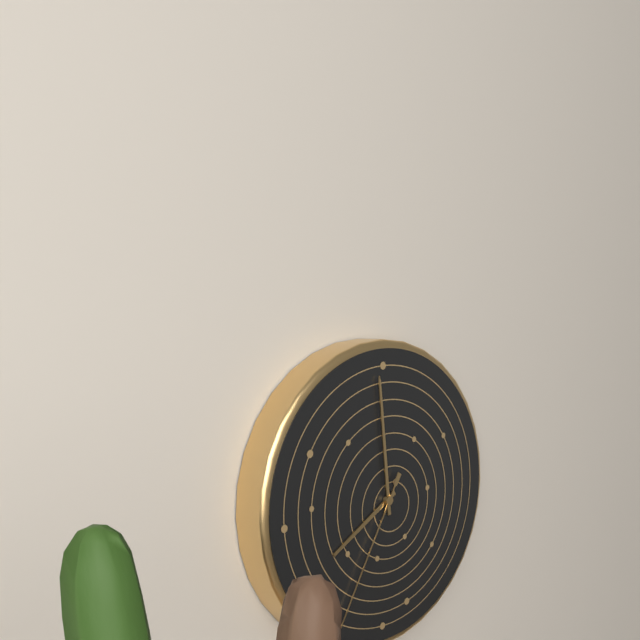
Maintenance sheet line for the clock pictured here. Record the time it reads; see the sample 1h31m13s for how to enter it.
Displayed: 7h59m35s
